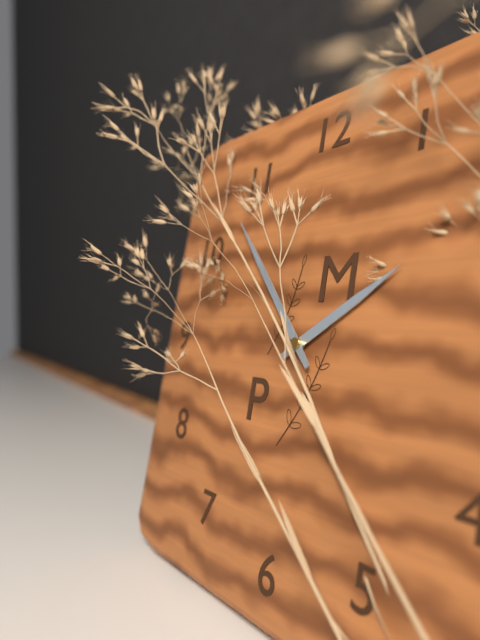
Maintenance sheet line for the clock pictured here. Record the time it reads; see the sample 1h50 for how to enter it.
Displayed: 1h53
